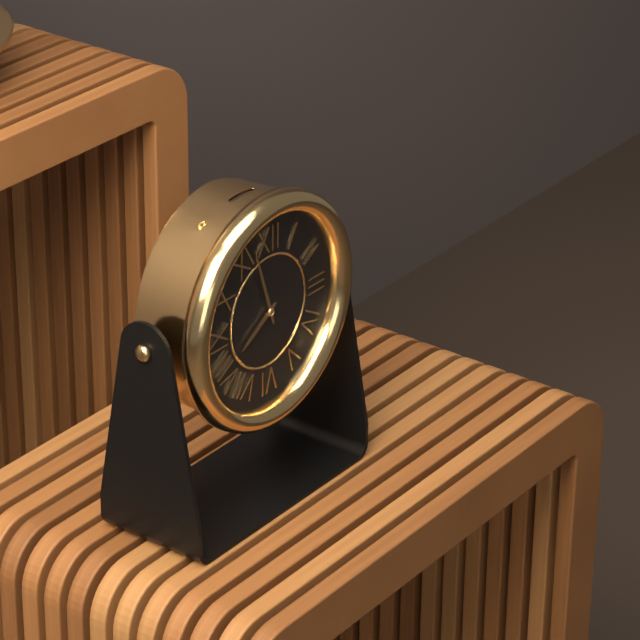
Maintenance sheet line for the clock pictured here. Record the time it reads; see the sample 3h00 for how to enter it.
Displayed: 7h57
